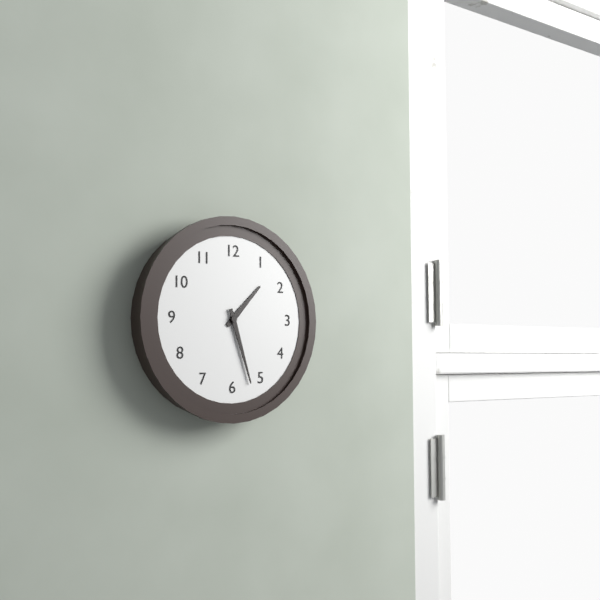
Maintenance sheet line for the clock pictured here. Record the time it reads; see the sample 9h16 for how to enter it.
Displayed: 1h27
